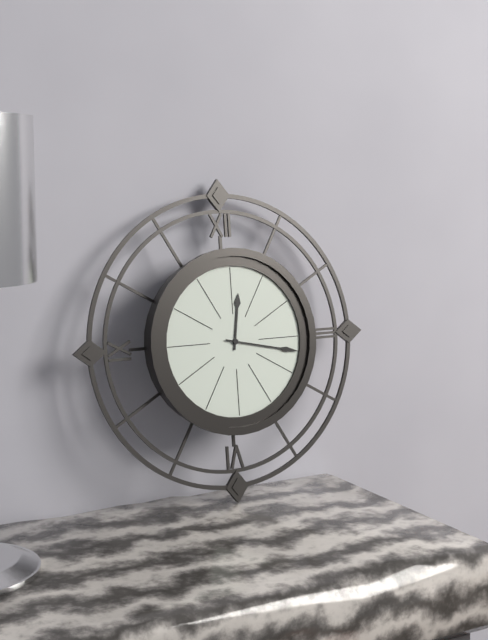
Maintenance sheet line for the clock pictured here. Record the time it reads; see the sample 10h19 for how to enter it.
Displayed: 12h17
